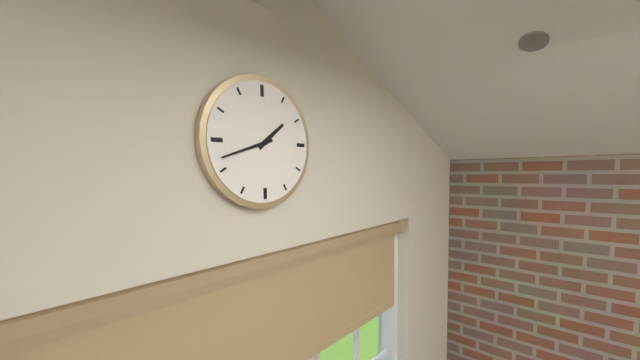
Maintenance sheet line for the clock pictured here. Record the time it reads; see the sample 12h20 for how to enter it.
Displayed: 1h42
